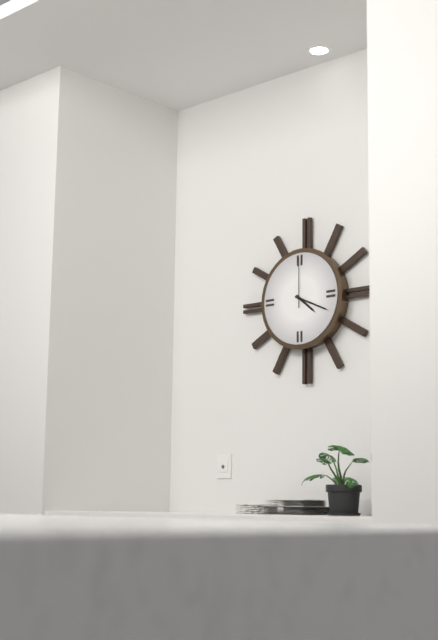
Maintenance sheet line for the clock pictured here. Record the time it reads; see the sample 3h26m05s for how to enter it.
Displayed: 4h19m00s
